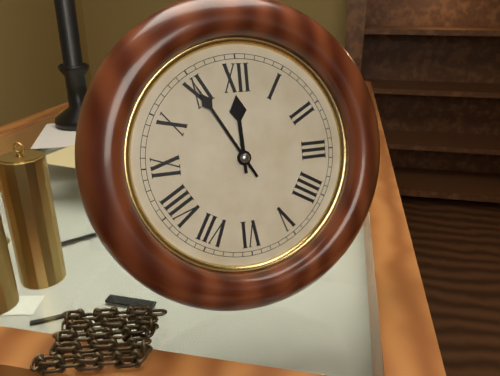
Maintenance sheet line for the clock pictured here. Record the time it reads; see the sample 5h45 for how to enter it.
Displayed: 11h55
